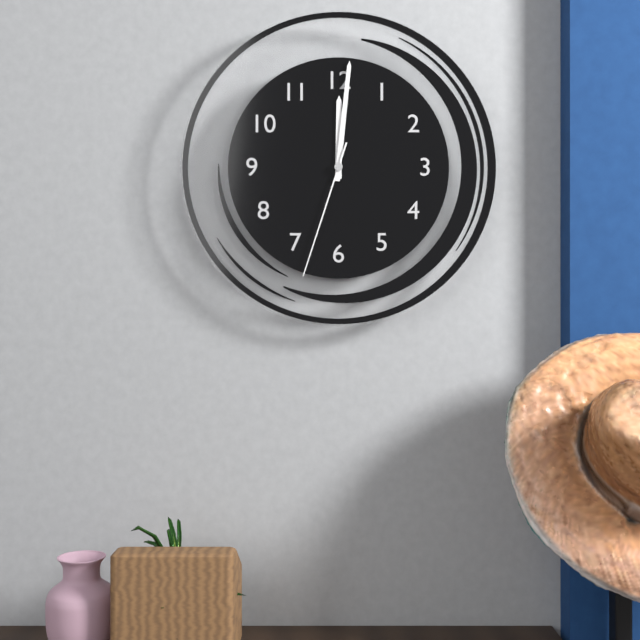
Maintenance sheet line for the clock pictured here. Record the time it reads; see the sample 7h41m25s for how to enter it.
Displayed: 12h01m33s
